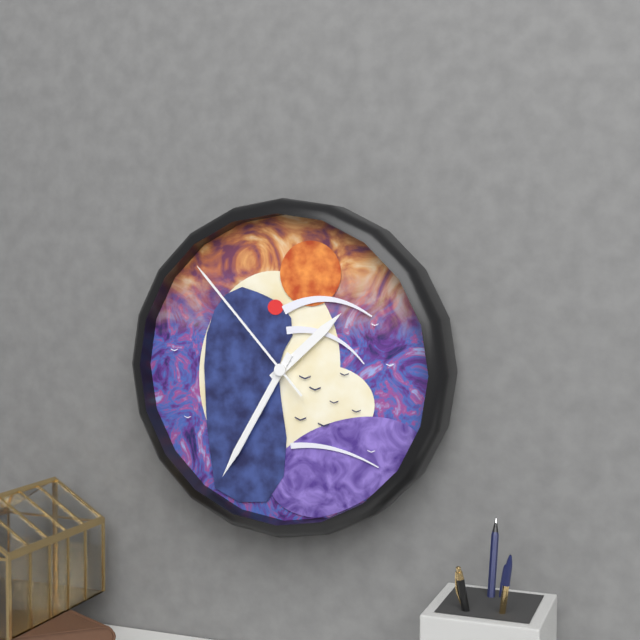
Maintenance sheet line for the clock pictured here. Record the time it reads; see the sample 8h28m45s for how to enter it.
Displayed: 1h35m53s
